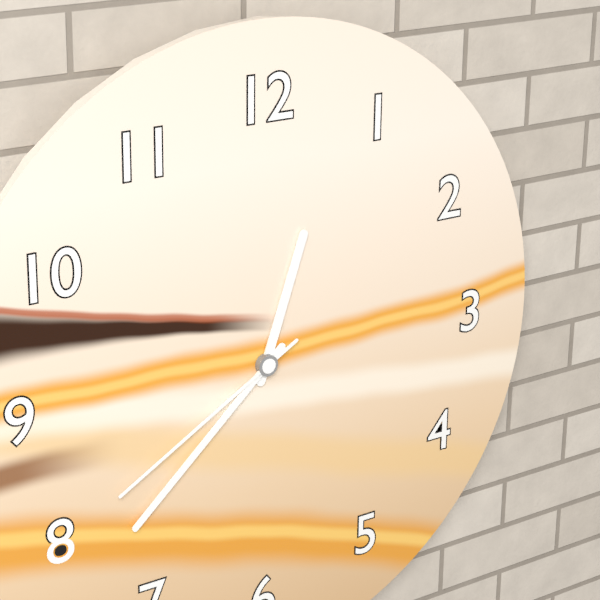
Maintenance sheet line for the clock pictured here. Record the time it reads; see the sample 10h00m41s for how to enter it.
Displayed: 12h38m40s
